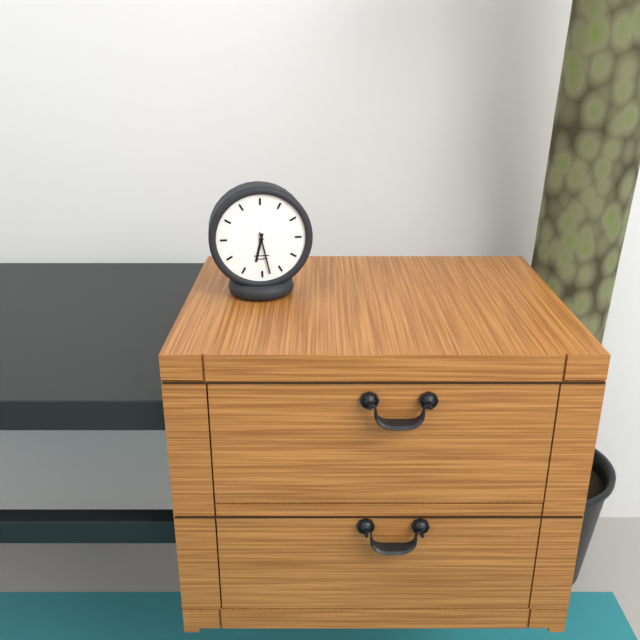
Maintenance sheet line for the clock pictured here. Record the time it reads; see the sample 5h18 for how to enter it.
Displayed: 6h28
